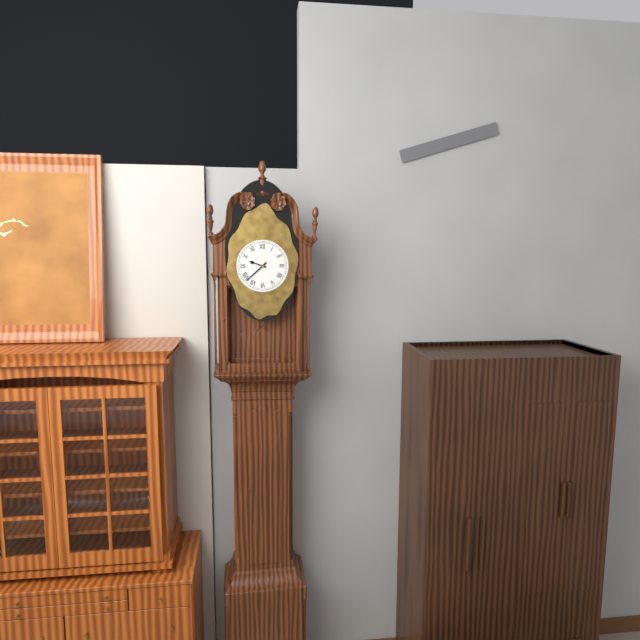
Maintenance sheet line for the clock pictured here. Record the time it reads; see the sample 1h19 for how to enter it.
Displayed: 9h38
